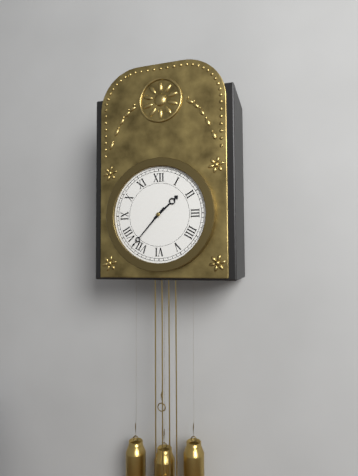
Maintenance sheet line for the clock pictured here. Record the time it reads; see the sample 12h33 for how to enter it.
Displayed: 1h37
